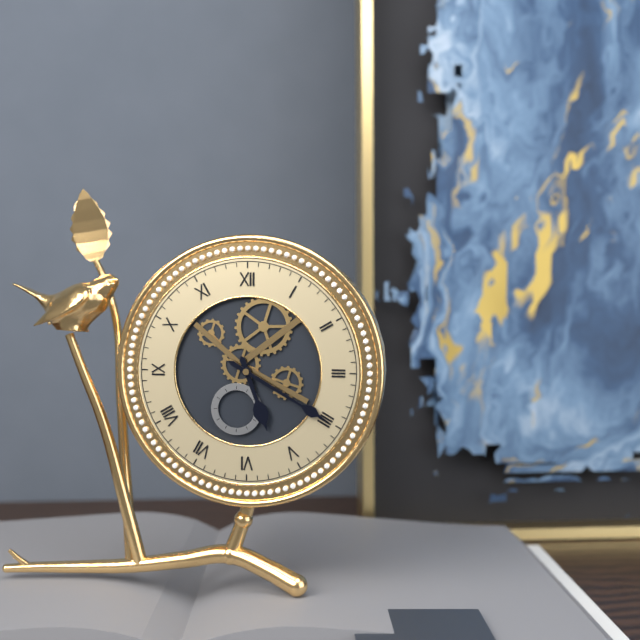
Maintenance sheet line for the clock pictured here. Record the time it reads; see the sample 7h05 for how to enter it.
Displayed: 5h20
